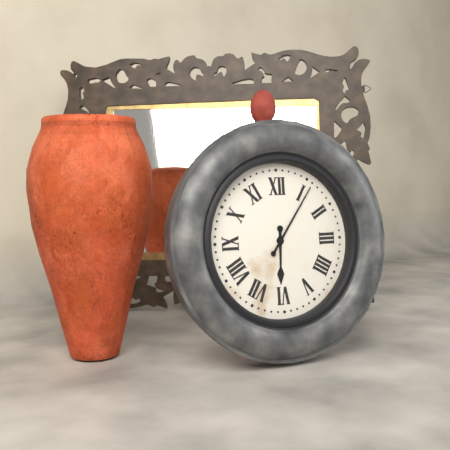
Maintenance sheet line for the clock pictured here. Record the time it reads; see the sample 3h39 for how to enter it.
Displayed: 6h06
